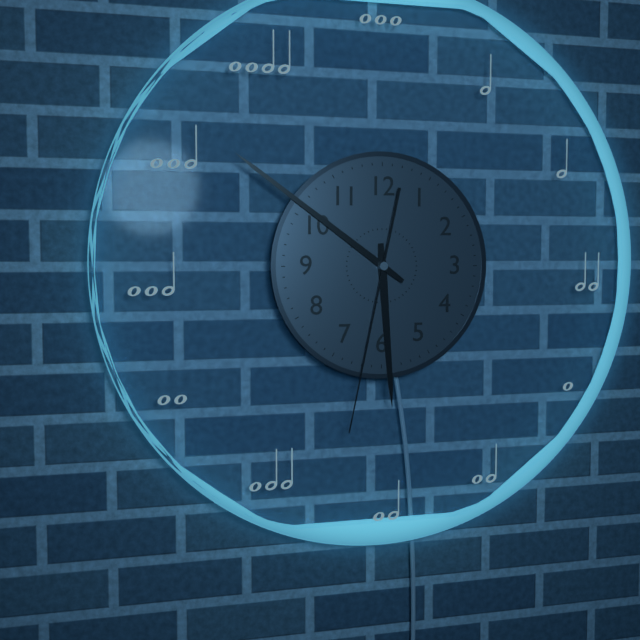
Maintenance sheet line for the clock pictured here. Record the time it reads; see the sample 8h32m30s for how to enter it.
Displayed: 5h51m32s
